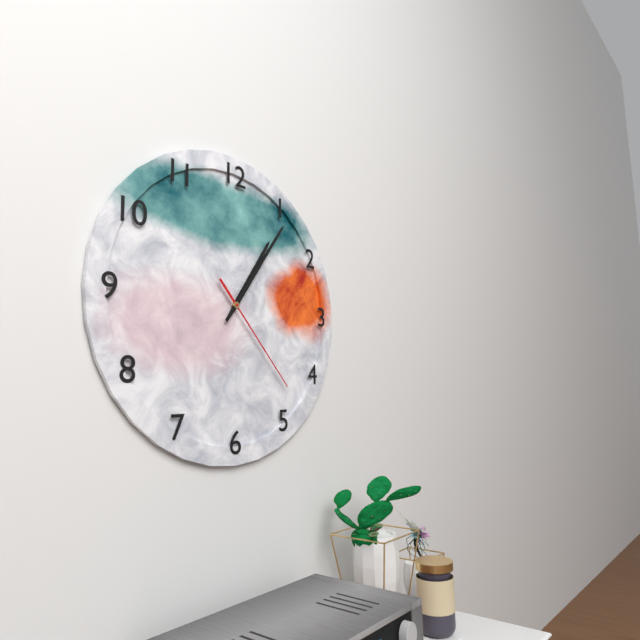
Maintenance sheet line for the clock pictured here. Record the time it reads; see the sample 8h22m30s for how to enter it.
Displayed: 1h06m23s
